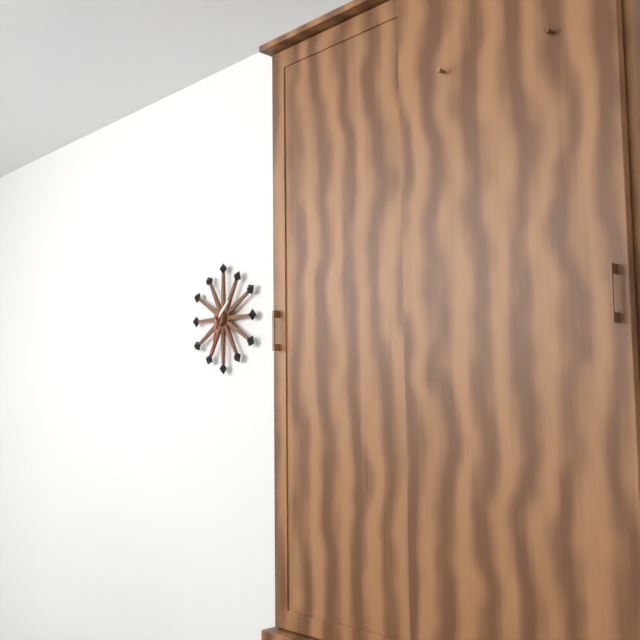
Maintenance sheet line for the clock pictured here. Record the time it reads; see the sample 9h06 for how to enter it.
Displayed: 1h32
